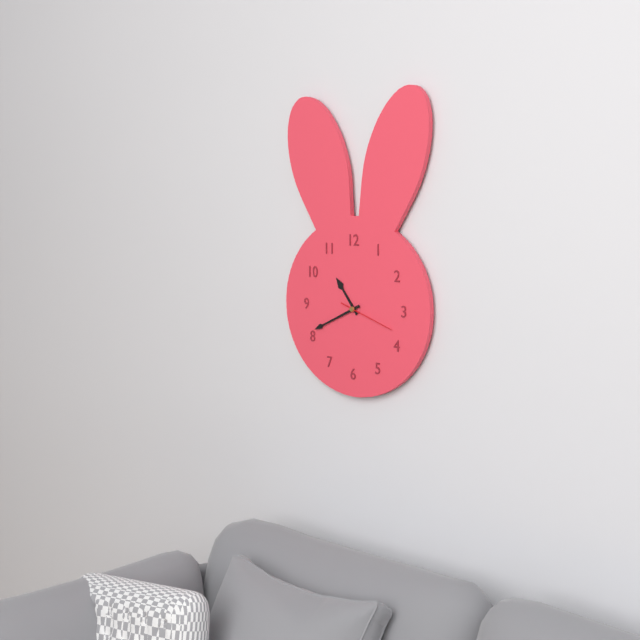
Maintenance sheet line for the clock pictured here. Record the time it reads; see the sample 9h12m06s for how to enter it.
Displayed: 10h41m18s
